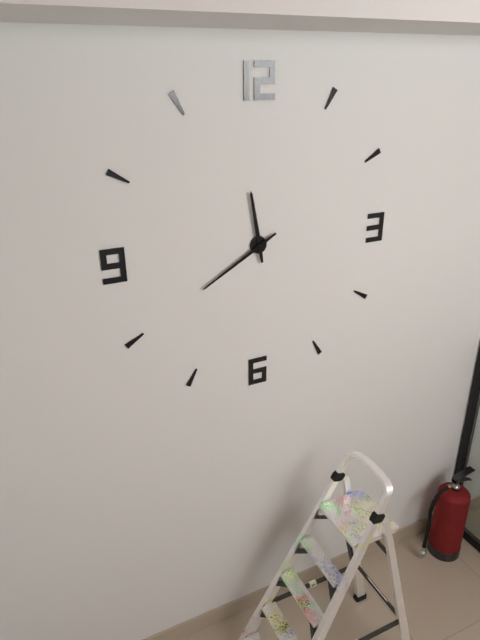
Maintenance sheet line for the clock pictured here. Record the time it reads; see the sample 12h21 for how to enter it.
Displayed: 11h40
